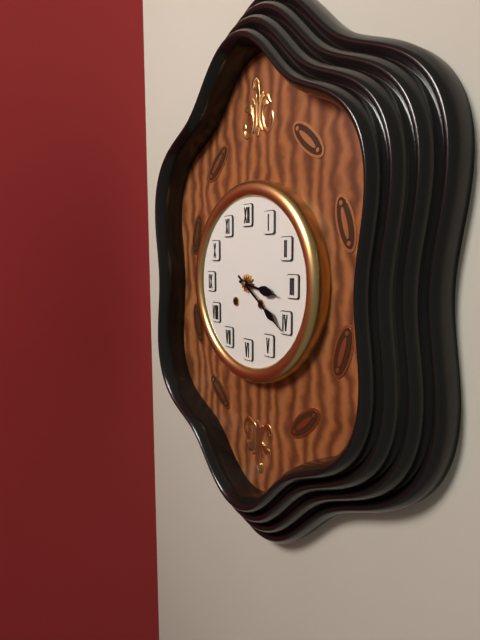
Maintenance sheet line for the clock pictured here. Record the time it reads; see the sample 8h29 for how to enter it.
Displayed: 3h21
